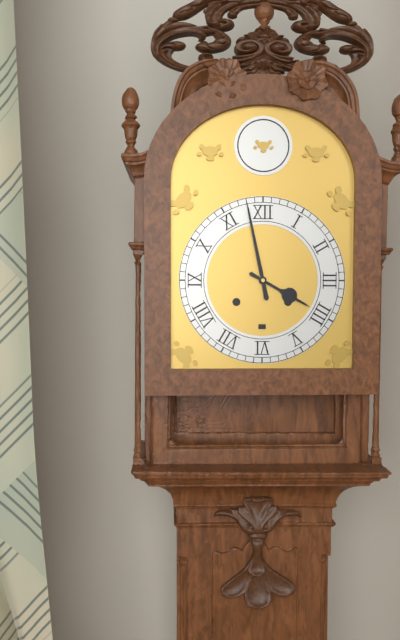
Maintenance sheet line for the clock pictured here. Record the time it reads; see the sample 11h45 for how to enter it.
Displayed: 3h58
